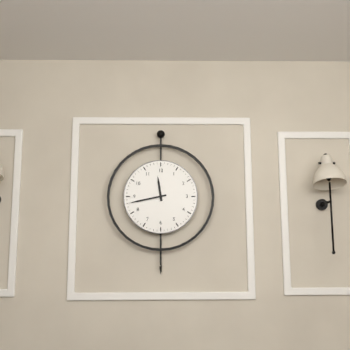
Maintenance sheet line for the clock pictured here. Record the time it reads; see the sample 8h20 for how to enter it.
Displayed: 11h43
